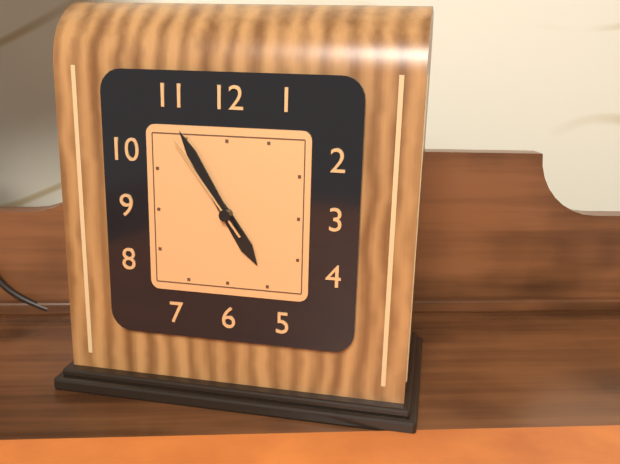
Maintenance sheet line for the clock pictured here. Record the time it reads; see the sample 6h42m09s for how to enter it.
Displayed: 4h55m54s
